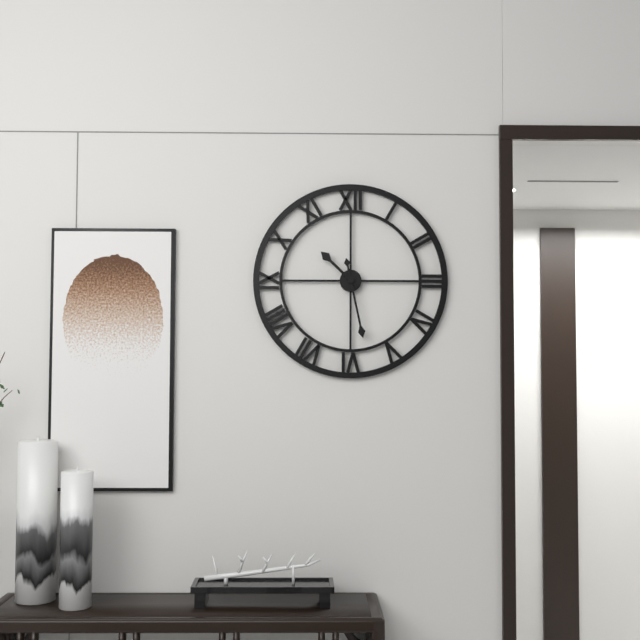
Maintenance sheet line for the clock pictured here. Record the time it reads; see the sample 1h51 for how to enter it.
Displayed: 10h28
